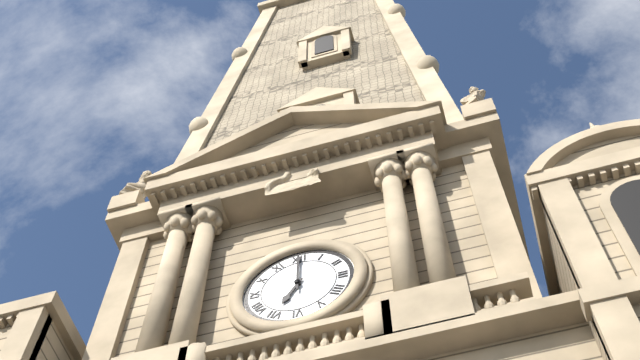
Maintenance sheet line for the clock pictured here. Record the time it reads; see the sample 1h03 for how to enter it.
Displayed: 7h00
